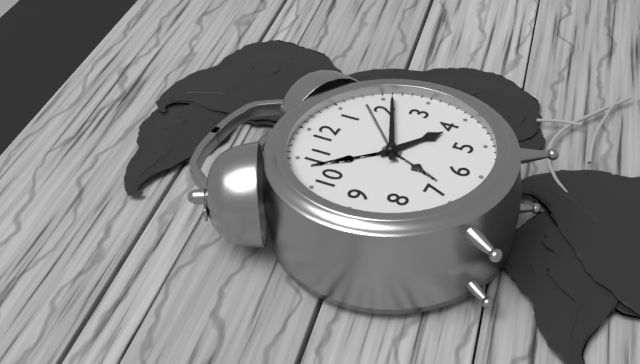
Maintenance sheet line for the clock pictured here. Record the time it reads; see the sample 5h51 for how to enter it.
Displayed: 4h11
